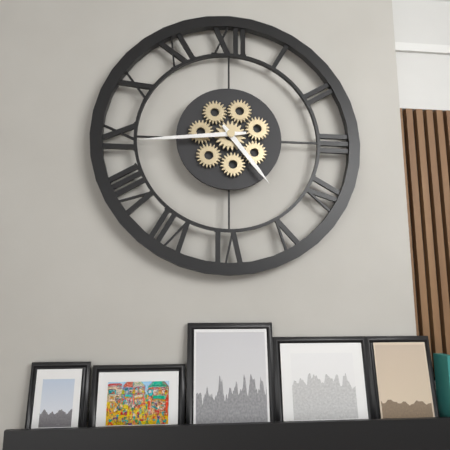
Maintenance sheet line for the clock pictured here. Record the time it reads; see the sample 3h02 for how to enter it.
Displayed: 4h44
